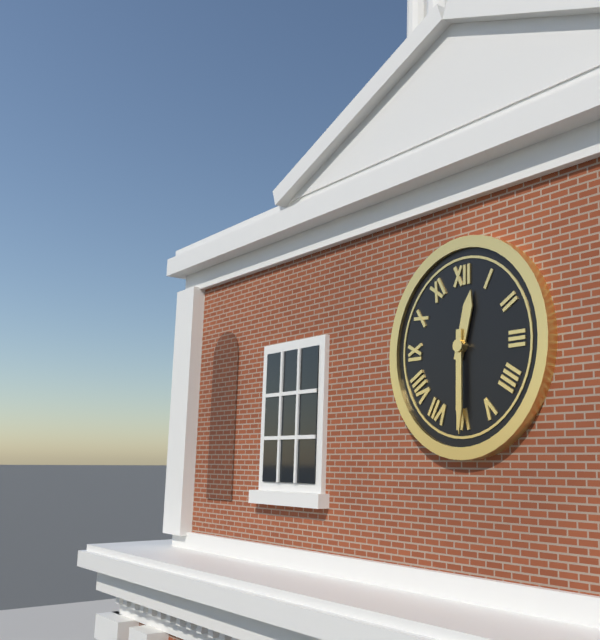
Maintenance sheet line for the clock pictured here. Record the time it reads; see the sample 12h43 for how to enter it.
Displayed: 12h30
